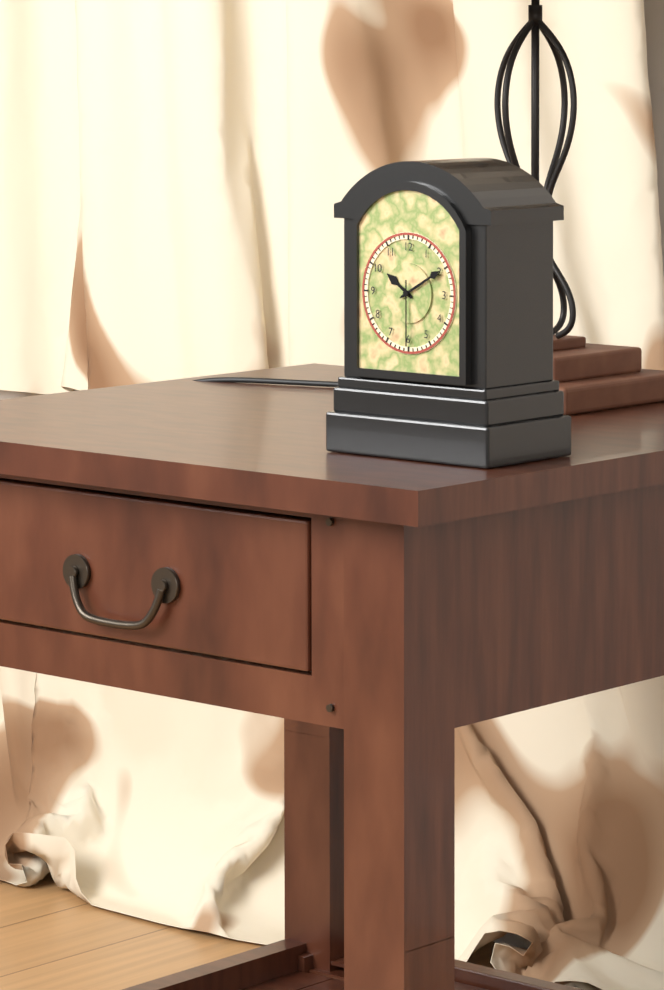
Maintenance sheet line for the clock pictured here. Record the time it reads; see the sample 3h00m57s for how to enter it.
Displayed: 10h10m30s
